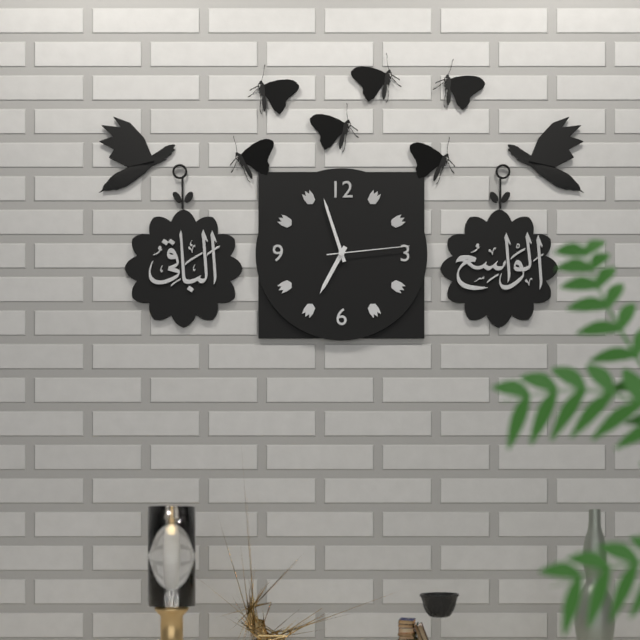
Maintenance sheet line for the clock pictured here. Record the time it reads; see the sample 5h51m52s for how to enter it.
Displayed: 6h57m14s
